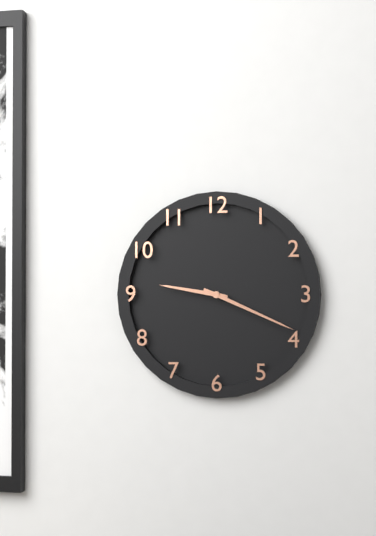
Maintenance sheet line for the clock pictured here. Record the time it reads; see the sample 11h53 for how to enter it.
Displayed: 9h19
